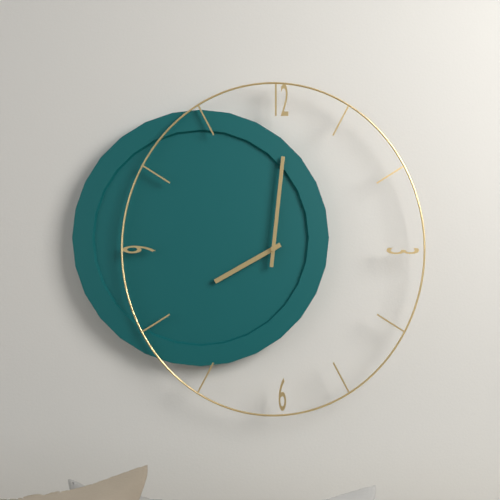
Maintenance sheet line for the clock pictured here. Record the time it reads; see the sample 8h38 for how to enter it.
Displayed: 8h01
